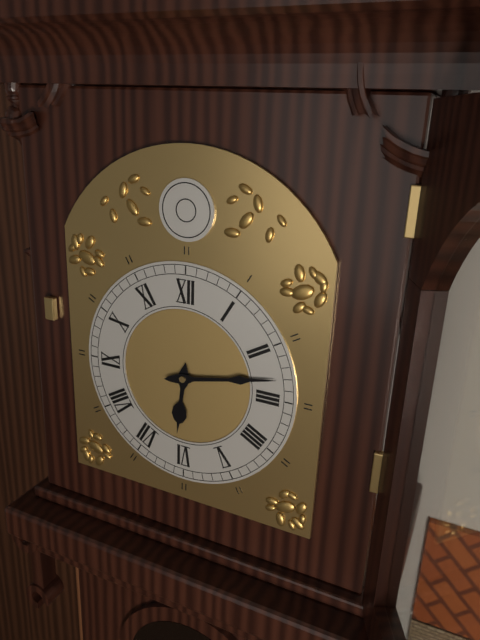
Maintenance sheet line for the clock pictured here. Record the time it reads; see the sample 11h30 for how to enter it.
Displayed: 6h13
